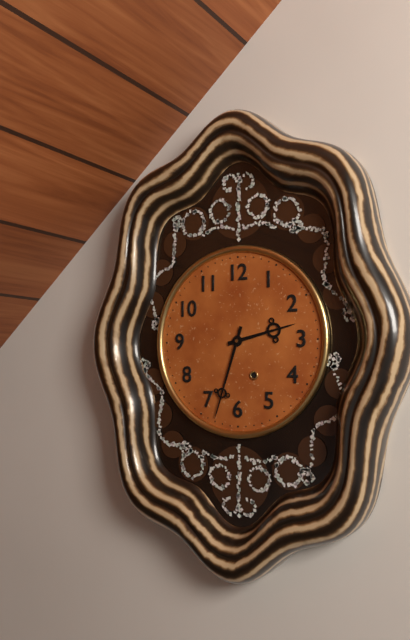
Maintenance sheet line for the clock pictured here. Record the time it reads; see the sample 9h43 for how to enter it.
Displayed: 2h33
